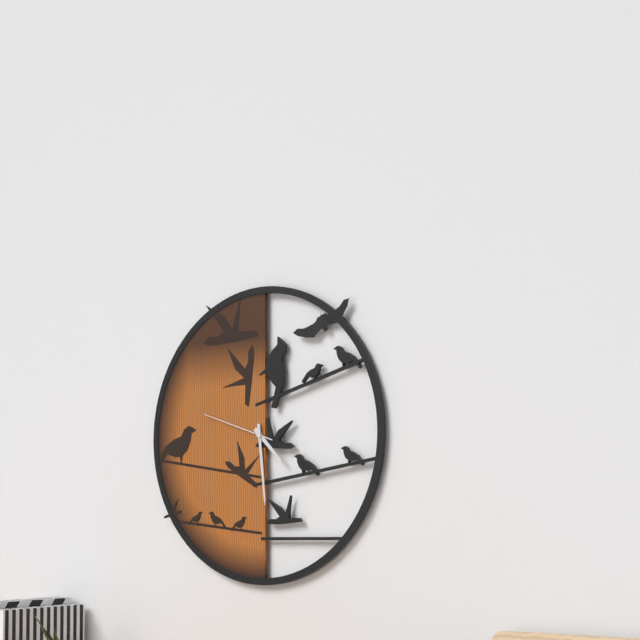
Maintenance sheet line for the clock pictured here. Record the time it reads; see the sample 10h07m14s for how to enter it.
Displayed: 4h29m48s
